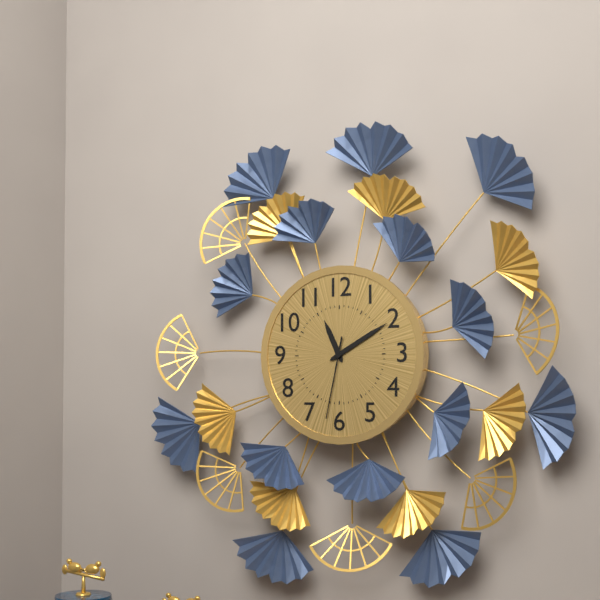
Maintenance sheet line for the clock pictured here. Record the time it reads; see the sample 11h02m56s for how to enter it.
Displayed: 11h10m32s
